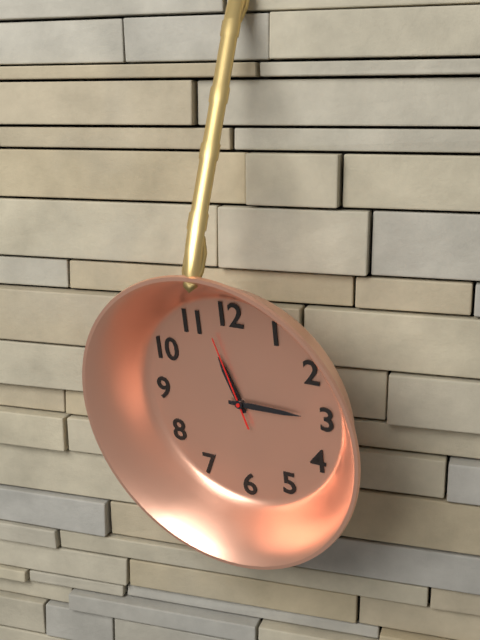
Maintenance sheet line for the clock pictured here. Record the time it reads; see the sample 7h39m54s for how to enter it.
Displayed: 11h15m57s
